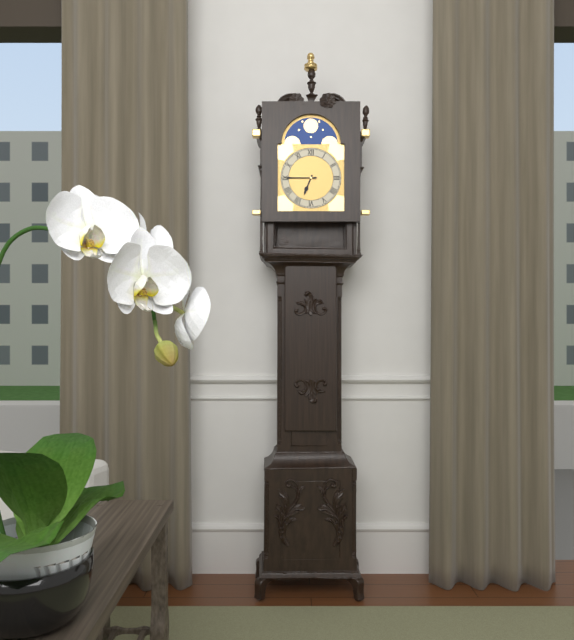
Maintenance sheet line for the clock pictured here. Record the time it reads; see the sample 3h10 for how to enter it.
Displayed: 6h45
